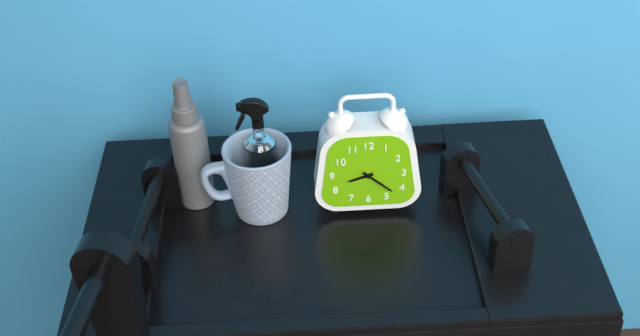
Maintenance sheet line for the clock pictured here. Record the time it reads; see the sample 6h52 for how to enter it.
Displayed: 8h22
